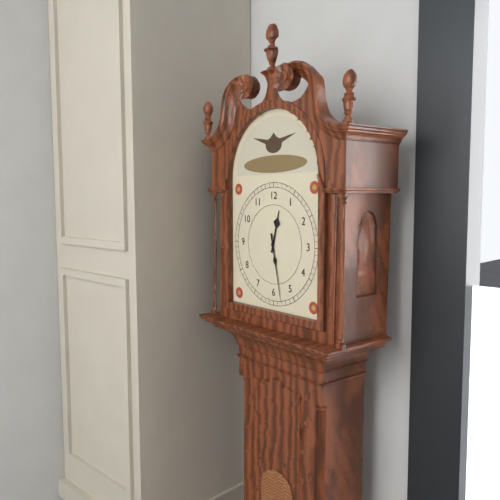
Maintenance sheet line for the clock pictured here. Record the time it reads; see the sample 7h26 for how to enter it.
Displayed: 12h28
